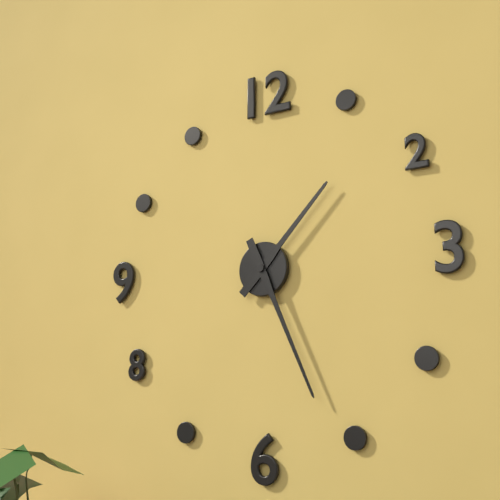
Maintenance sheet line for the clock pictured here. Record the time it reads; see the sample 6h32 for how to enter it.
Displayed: 1h26
